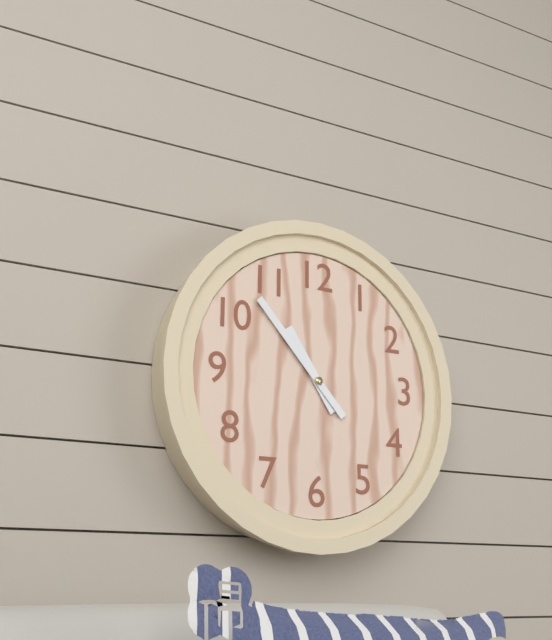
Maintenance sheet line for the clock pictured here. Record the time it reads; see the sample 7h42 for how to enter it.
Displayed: 10h53
